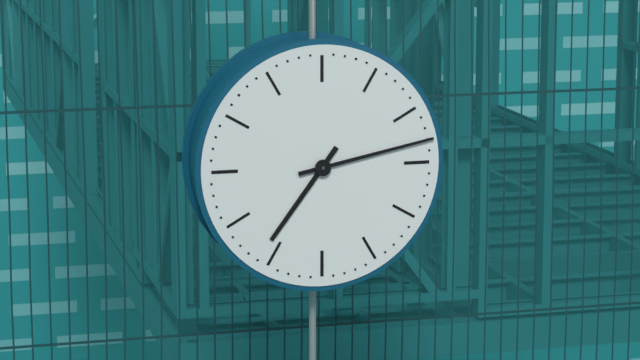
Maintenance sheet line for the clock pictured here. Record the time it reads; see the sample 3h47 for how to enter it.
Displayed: 7h13
